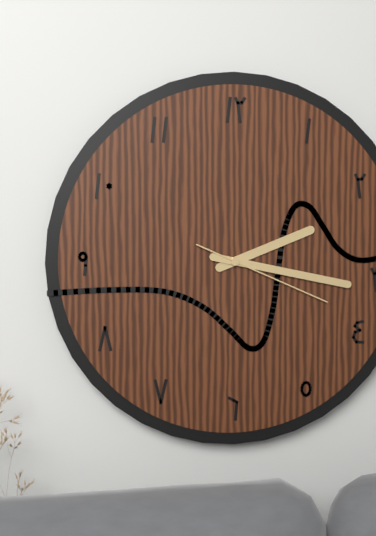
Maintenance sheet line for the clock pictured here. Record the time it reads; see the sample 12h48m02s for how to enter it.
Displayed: 2h17m19s
